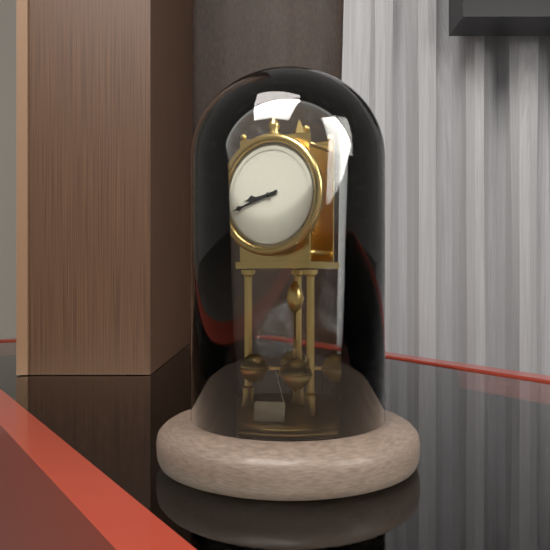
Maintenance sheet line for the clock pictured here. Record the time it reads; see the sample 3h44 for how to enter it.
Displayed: 8h42
